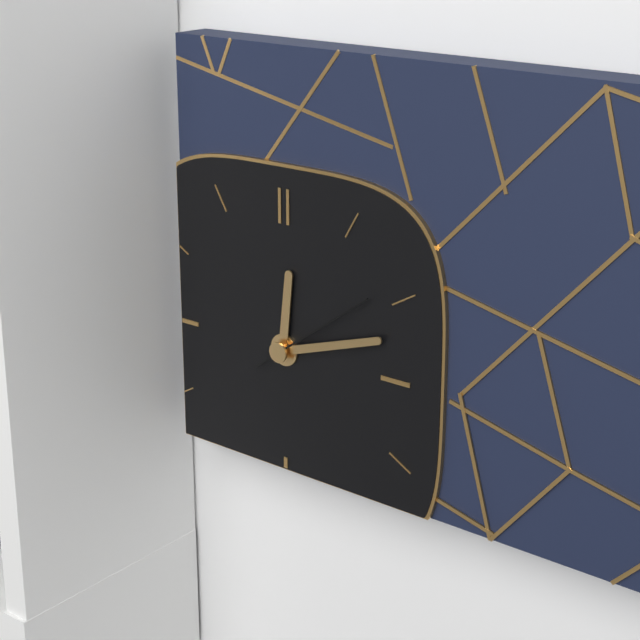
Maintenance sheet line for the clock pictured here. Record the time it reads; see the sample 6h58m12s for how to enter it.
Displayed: 12h12m09s
